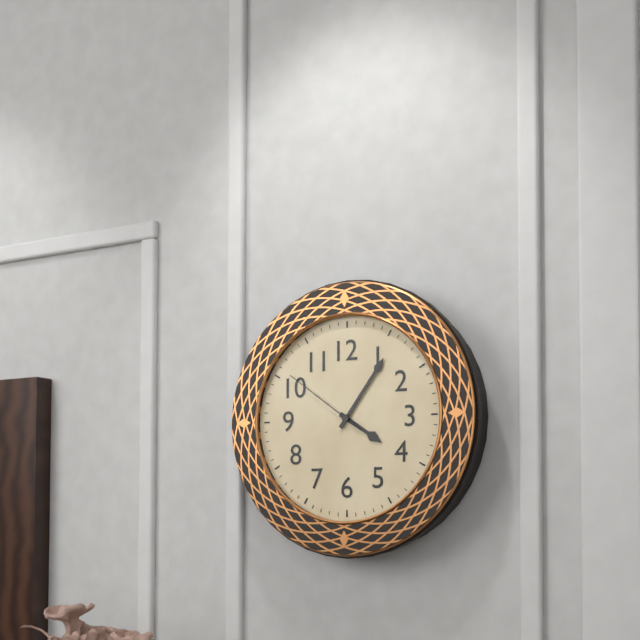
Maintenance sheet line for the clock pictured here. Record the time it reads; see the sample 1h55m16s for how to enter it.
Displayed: 4h06m51s
